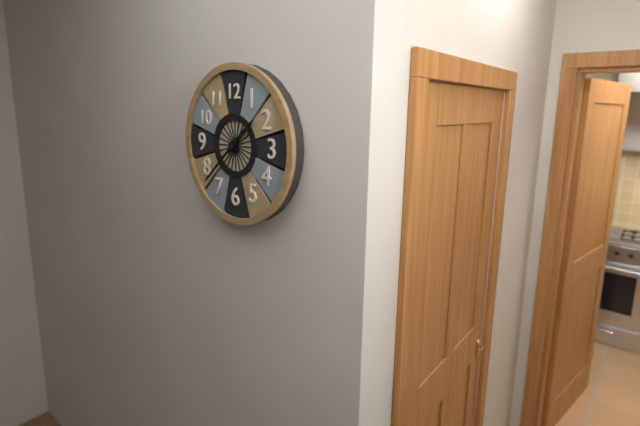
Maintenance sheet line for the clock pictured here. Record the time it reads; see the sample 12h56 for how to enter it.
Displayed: 1h38
